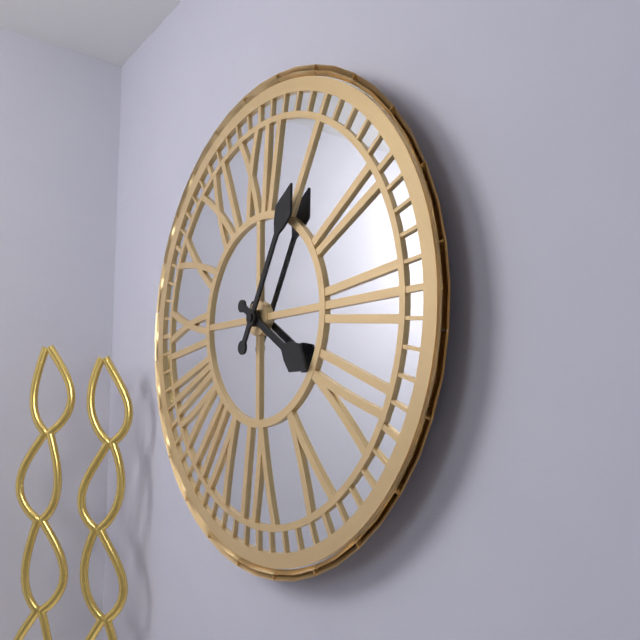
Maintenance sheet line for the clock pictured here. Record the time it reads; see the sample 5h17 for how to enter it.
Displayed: 4h05
